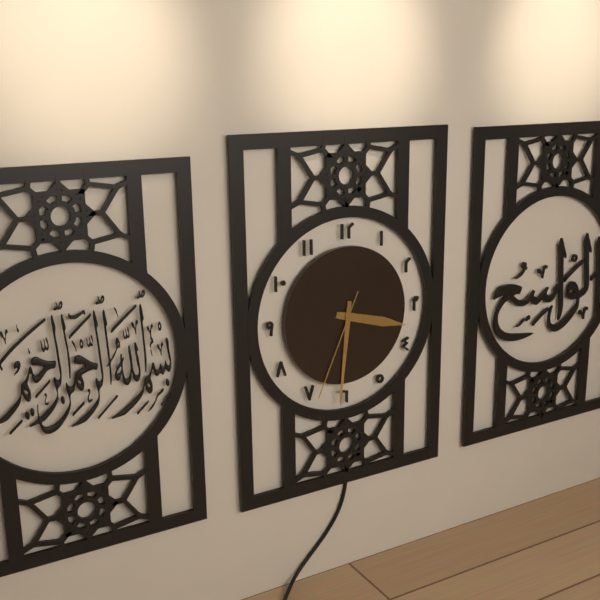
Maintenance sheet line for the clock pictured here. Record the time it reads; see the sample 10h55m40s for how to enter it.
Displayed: 3h31m34s
